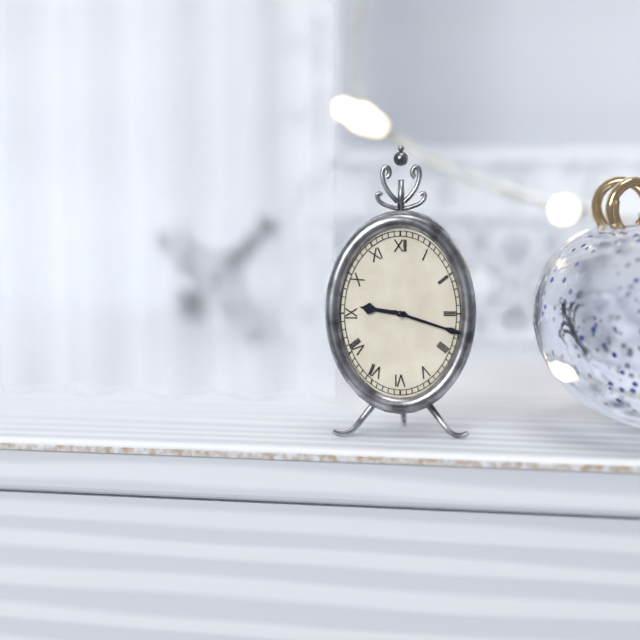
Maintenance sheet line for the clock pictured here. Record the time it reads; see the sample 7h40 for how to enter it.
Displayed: 9h18
